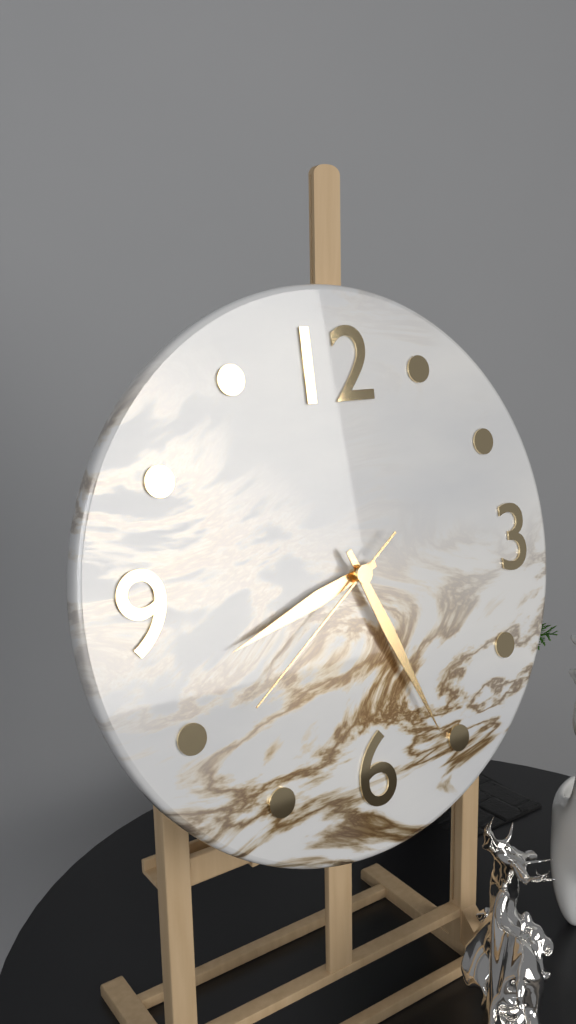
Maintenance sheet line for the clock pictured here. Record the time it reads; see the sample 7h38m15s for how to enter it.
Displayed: 8h26m39s
